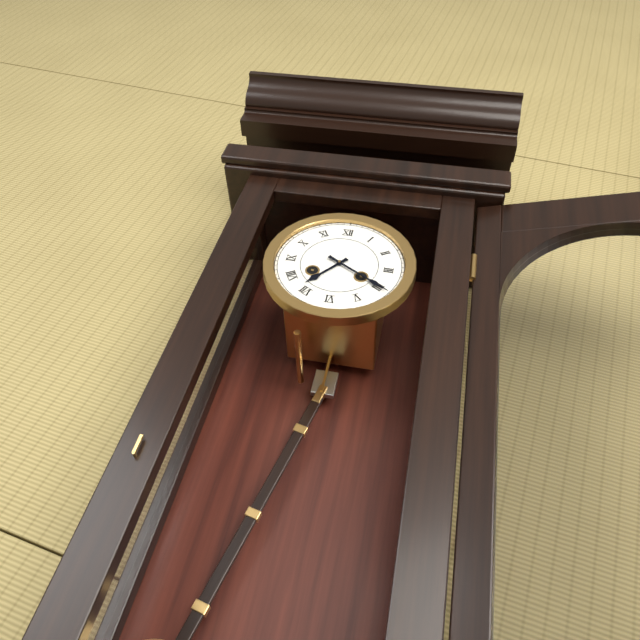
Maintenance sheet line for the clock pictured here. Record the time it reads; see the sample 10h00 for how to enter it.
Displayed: 7h20
